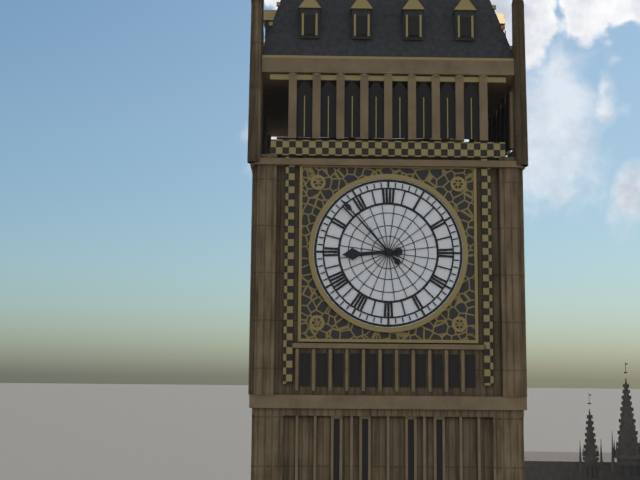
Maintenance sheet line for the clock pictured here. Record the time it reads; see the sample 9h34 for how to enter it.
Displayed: 8h53
